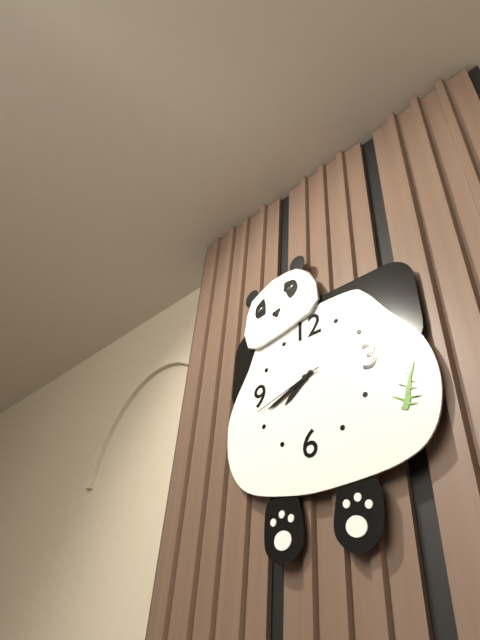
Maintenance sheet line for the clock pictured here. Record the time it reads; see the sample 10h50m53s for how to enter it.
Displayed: 7h41m42s
